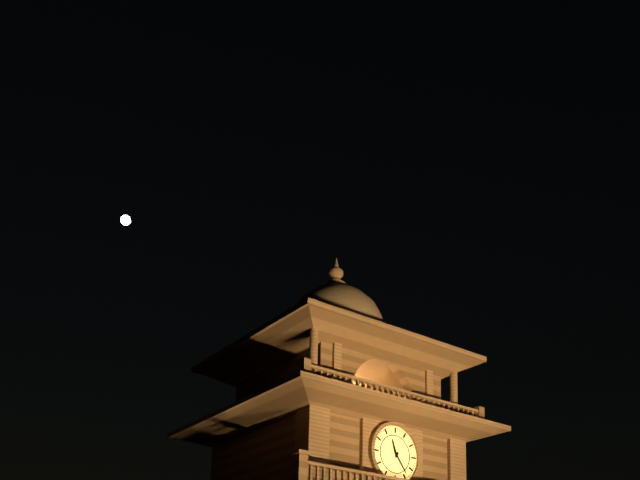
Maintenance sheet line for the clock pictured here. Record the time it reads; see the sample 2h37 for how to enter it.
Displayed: 11h24
